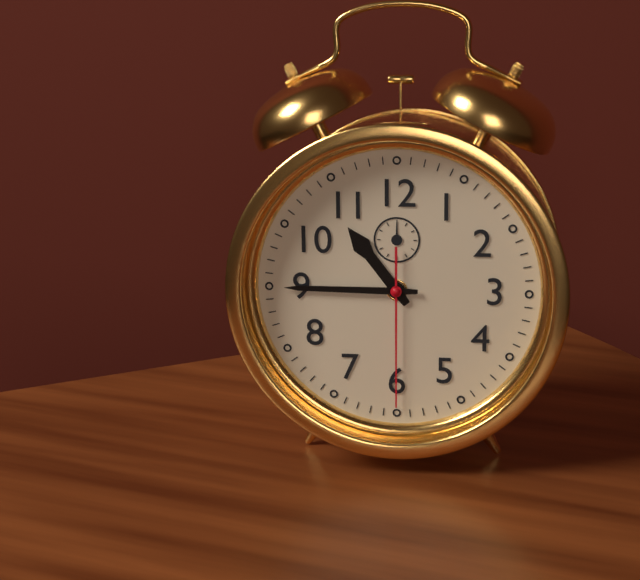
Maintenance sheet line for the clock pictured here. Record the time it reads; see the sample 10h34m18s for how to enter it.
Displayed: 10h45m30s
